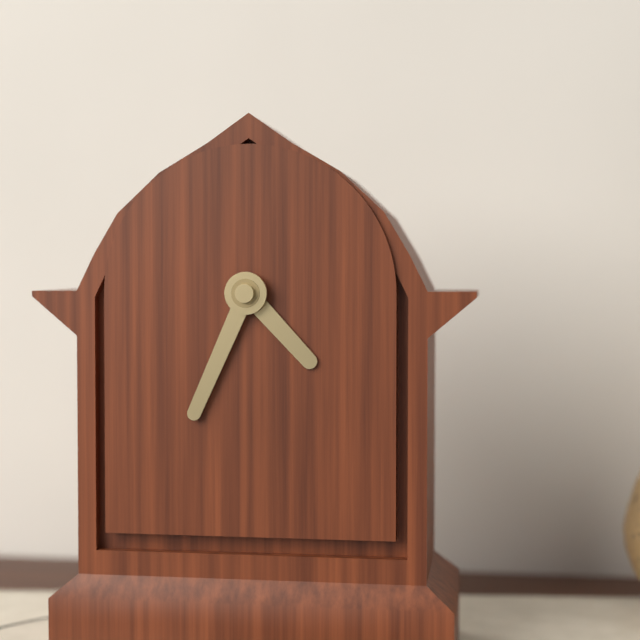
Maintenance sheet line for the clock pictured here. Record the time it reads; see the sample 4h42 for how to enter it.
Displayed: 4h34
